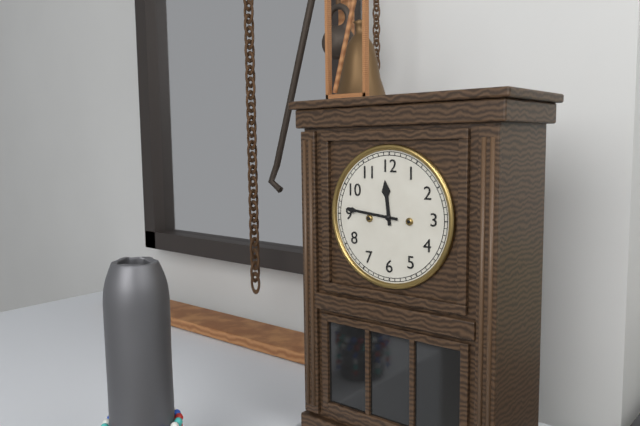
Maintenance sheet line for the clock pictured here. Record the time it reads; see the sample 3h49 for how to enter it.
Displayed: 11h46
